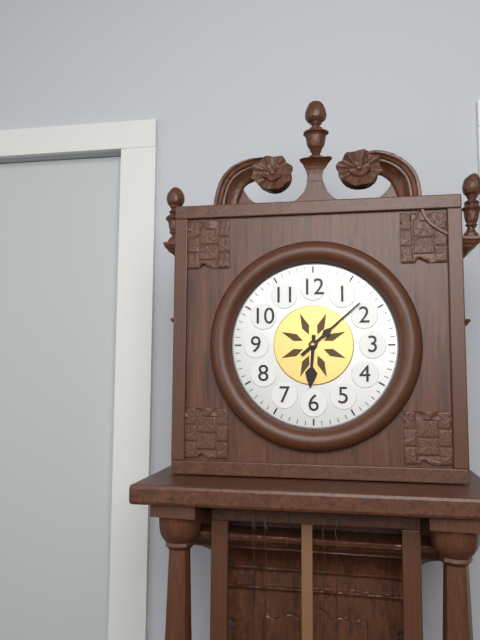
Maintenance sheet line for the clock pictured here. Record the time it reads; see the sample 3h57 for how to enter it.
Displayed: 6h08
